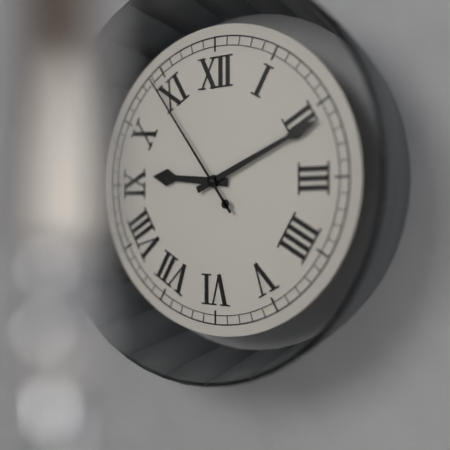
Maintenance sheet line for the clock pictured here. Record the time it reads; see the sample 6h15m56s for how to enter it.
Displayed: 9h11m54s
